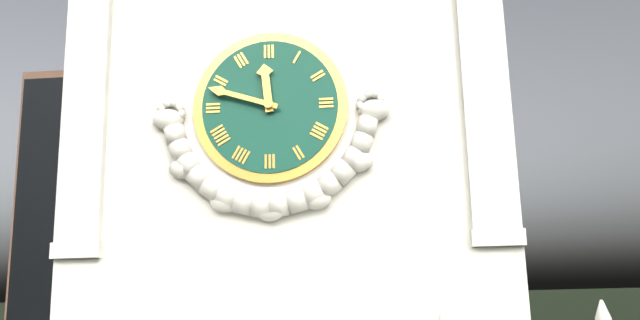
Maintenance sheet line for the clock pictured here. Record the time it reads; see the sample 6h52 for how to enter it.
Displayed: 11h48
